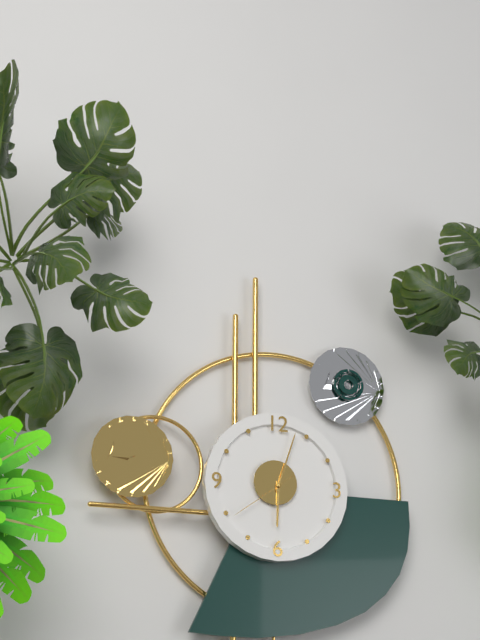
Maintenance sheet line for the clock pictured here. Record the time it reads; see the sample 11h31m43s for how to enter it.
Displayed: 6h03m39s
